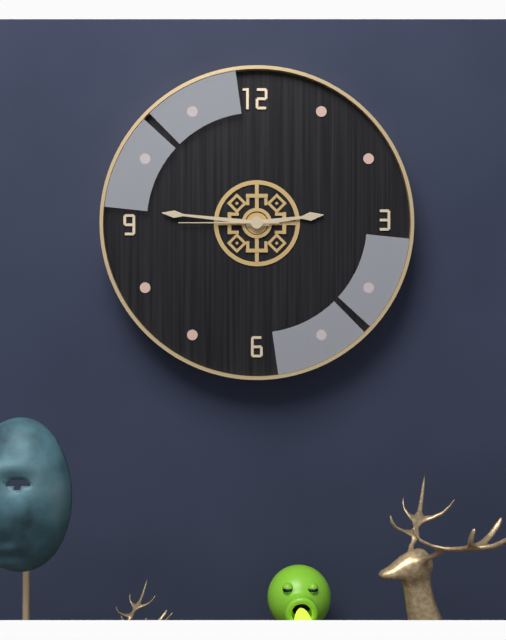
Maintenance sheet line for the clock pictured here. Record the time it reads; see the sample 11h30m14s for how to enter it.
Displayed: 2h46m45s
